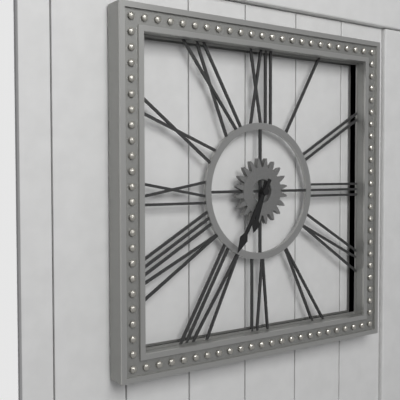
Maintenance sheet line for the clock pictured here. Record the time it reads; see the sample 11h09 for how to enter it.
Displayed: 6h35
